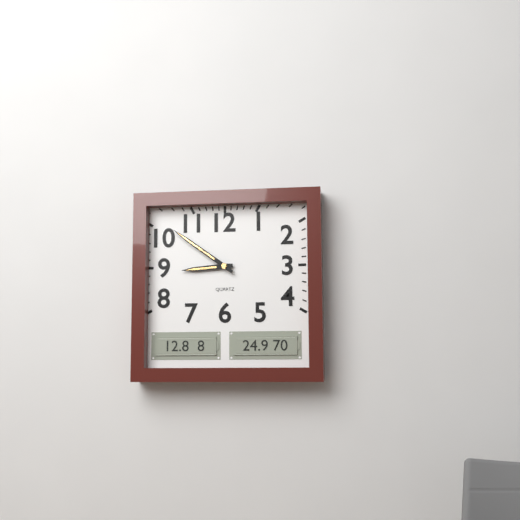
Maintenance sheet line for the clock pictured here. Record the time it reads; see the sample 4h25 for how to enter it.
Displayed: 8h51
